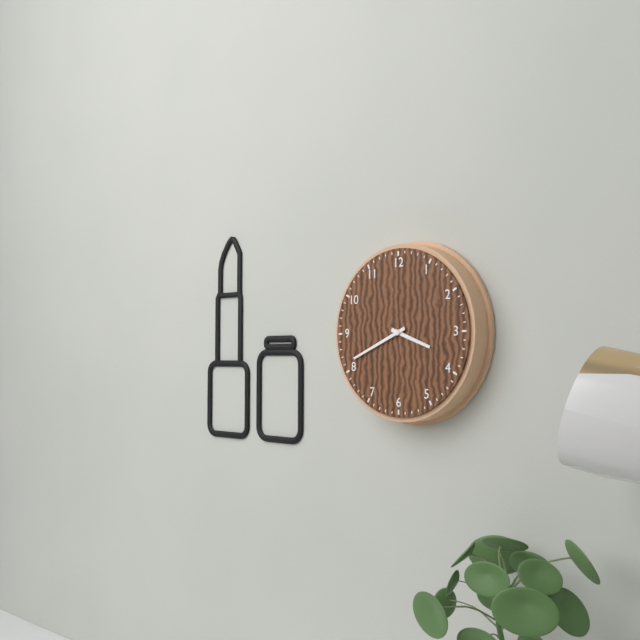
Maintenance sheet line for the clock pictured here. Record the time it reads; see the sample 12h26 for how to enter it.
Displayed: 3h41
